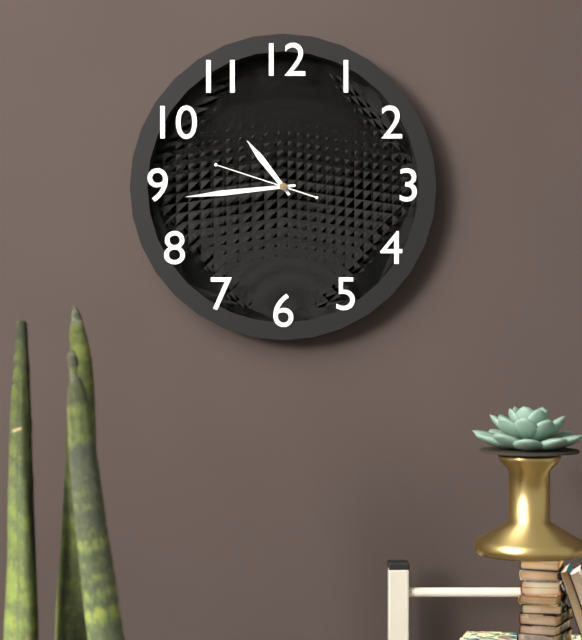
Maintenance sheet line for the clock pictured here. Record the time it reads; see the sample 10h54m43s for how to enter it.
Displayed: 10h44m48s
